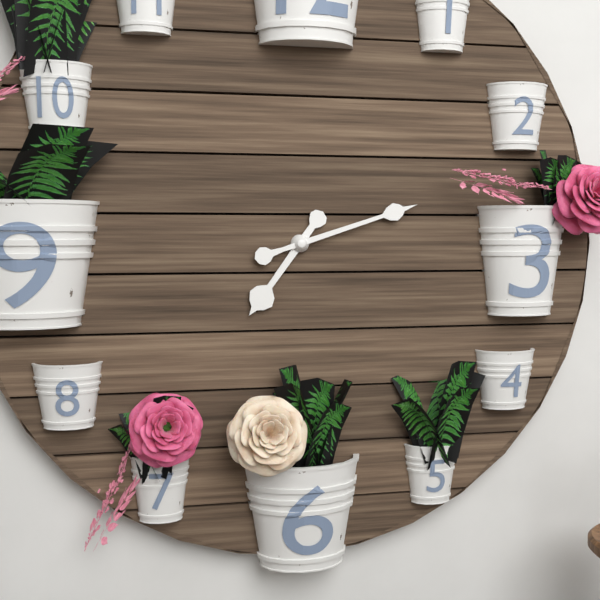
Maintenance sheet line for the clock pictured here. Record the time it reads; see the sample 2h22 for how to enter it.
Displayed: 7h12
